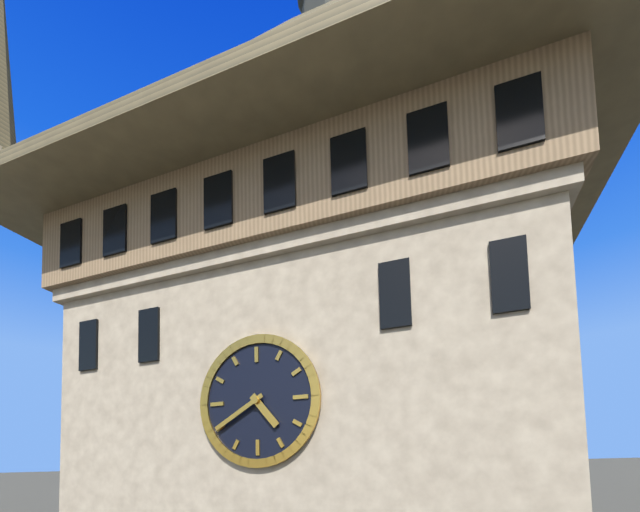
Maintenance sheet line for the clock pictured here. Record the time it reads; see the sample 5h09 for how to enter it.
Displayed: 4h40
